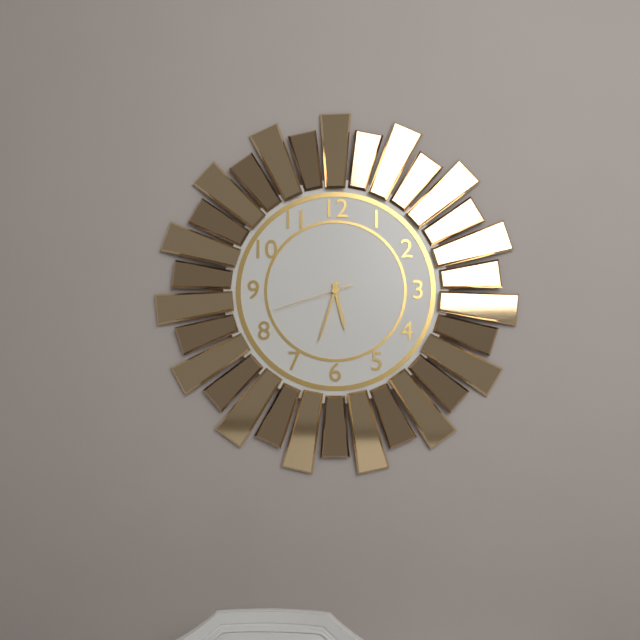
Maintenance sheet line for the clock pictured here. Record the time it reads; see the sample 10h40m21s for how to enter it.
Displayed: 5h33m42s
